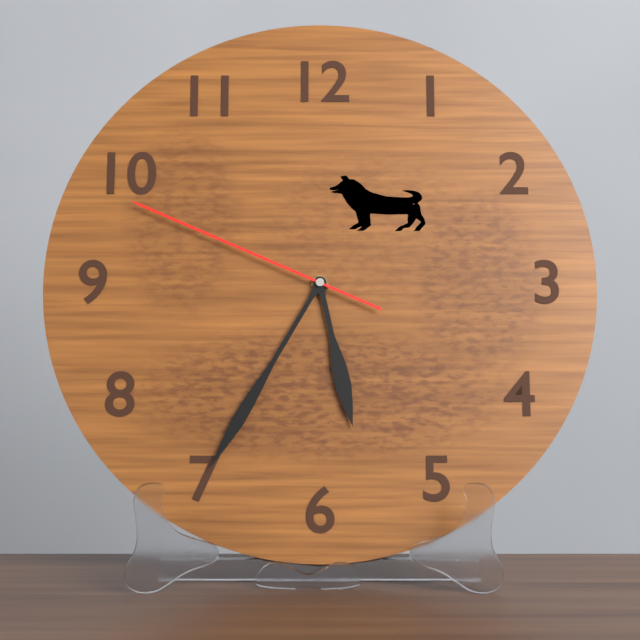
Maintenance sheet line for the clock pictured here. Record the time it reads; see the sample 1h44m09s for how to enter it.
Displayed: 5h35m49s
